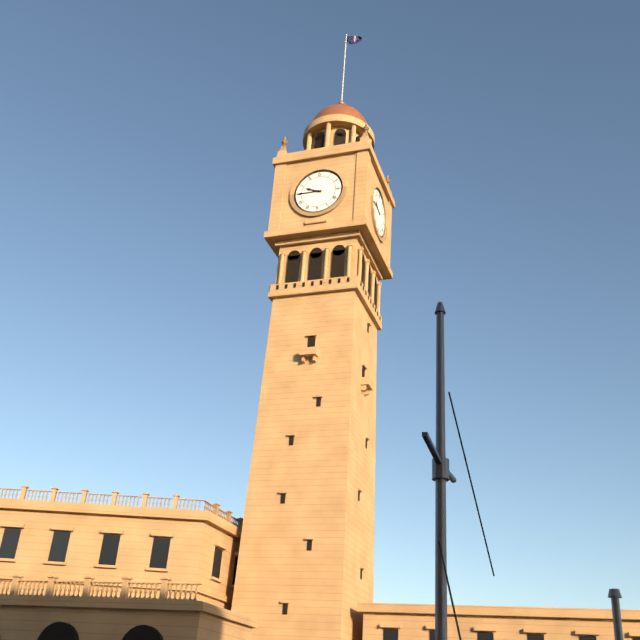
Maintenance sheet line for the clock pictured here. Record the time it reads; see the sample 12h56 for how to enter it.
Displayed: 9h45
